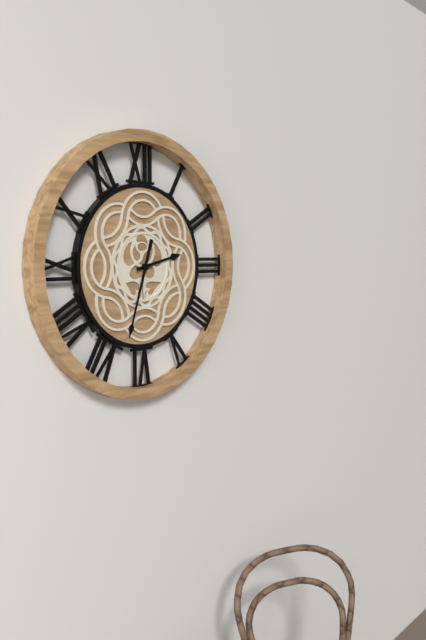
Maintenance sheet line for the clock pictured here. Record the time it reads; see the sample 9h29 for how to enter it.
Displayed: 2h33
